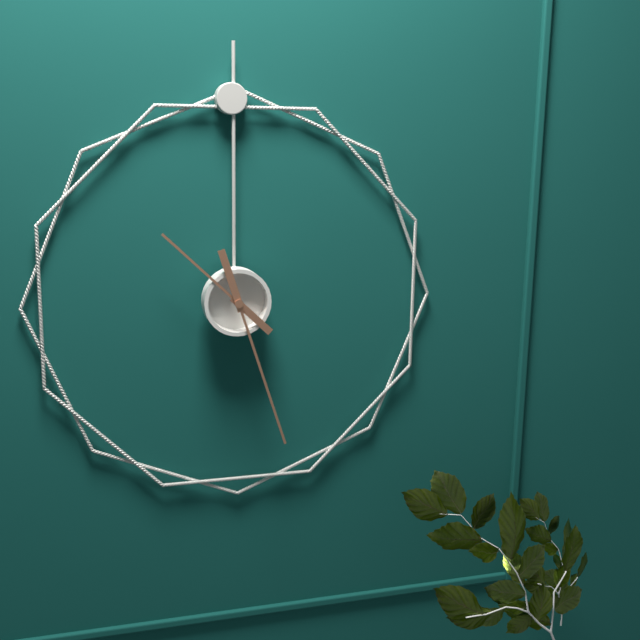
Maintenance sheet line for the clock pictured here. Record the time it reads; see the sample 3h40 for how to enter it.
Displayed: 10h27
